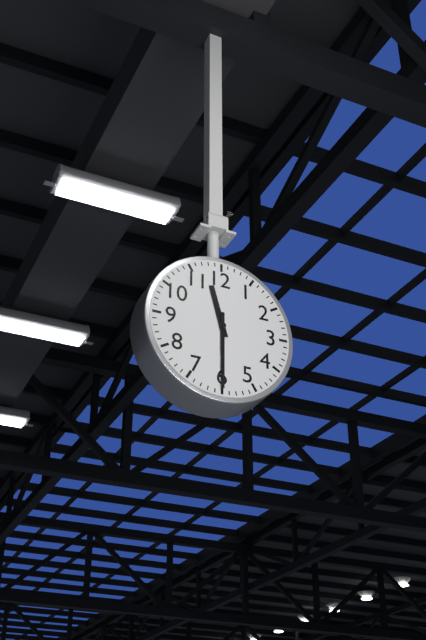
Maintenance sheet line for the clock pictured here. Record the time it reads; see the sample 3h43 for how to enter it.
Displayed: 11h30
